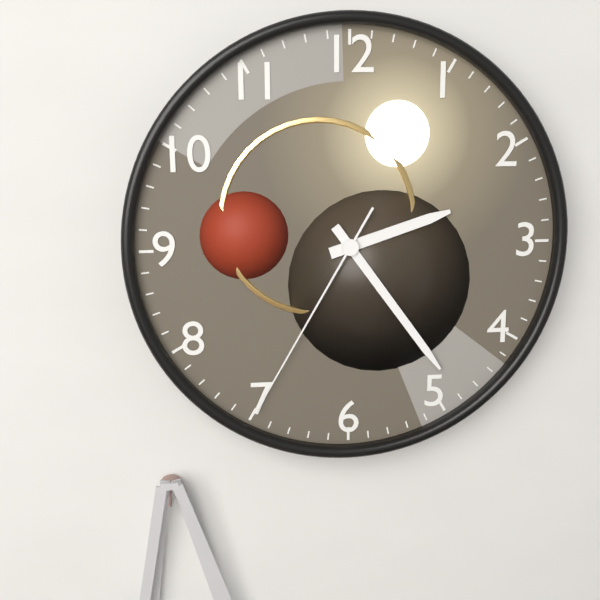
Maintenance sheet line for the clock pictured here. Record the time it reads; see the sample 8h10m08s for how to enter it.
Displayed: 2h24m35s
